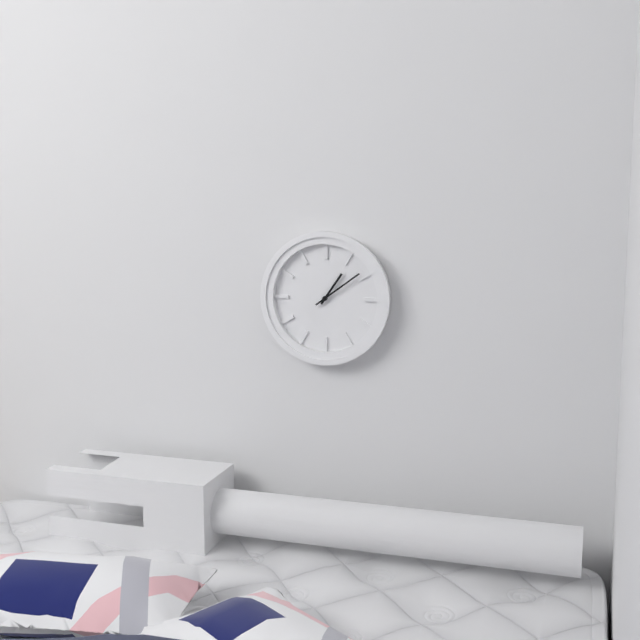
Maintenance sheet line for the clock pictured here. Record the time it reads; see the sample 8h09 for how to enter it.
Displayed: 1h09
